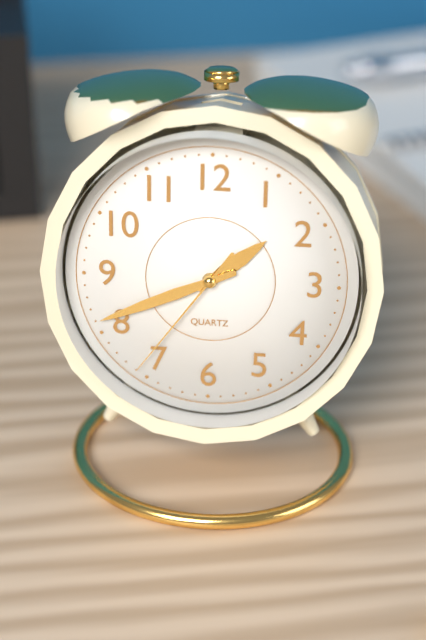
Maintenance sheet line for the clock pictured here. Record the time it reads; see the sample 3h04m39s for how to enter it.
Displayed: 1h41m36s
